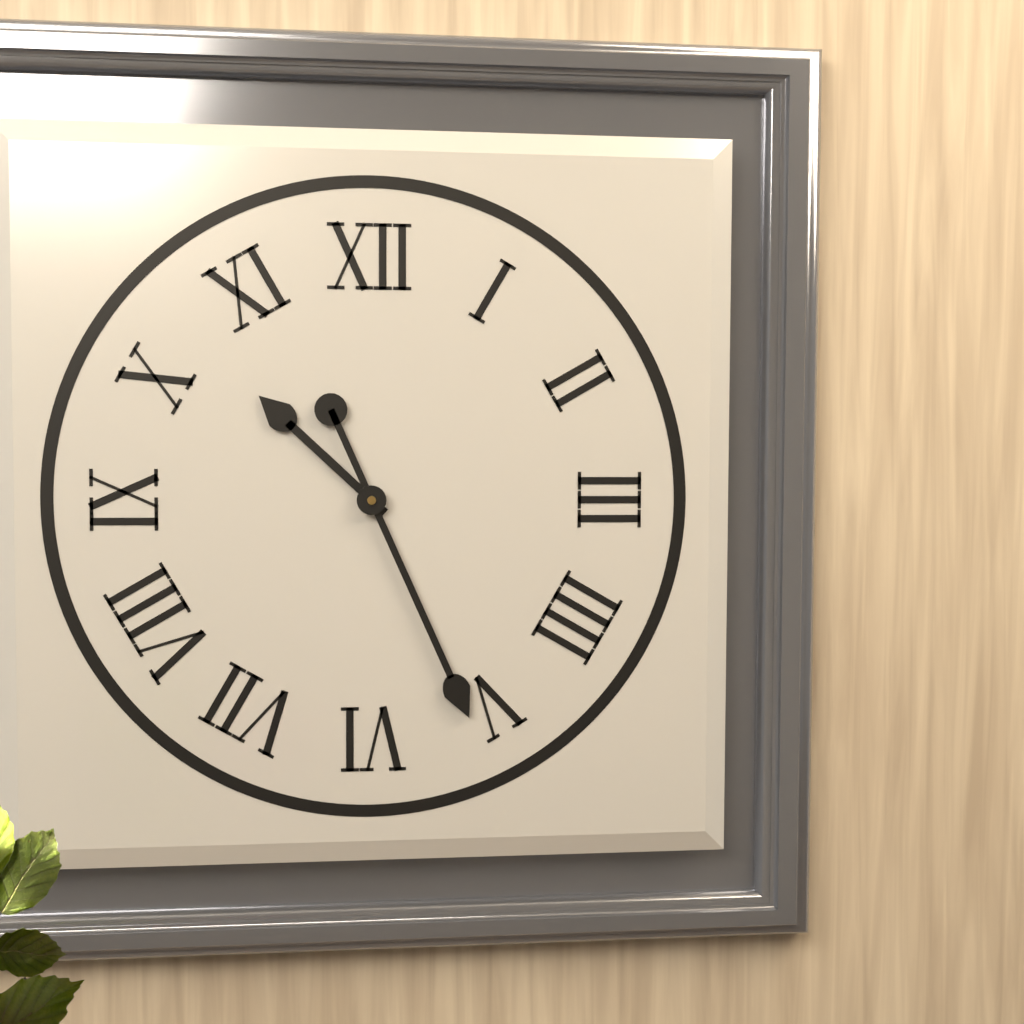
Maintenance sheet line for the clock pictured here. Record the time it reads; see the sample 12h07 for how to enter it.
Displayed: 10h26
